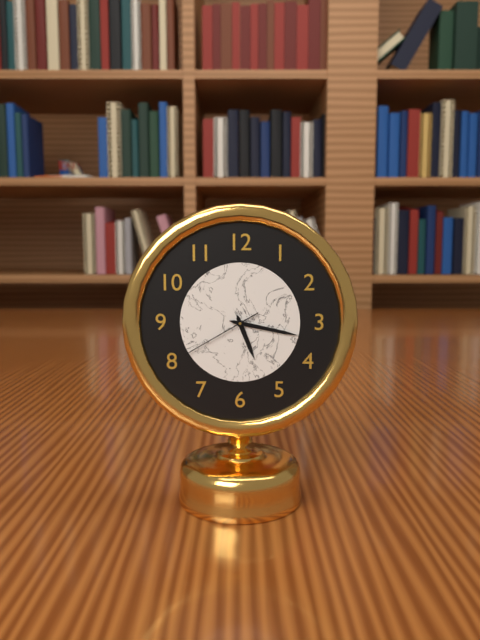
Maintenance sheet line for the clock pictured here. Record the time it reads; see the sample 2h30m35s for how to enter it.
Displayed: 5h17m40s
